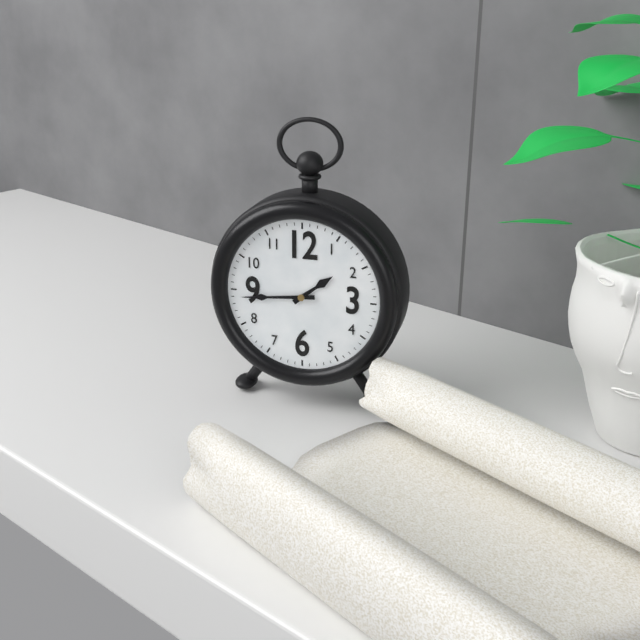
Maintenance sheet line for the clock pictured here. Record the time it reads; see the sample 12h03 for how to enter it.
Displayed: 1h44
